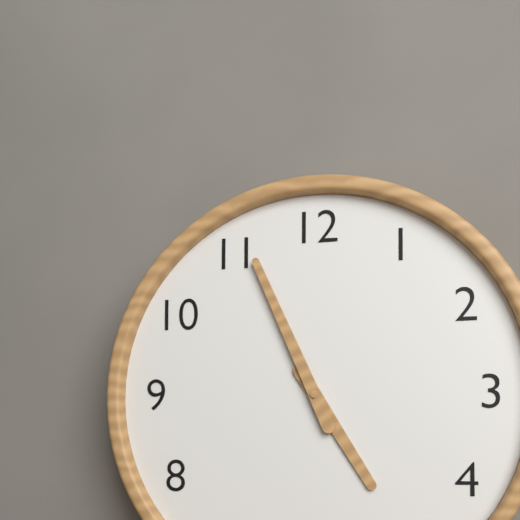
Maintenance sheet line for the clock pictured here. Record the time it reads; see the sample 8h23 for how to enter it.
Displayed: 4h56
